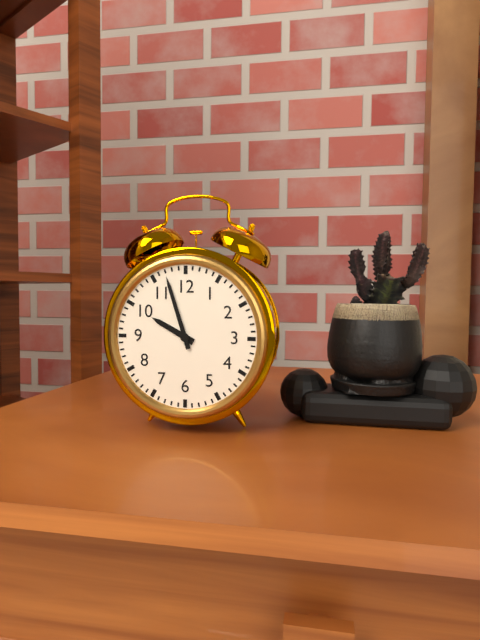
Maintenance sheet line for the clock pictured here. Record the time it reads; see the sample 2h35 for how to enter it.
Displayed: 9h57
